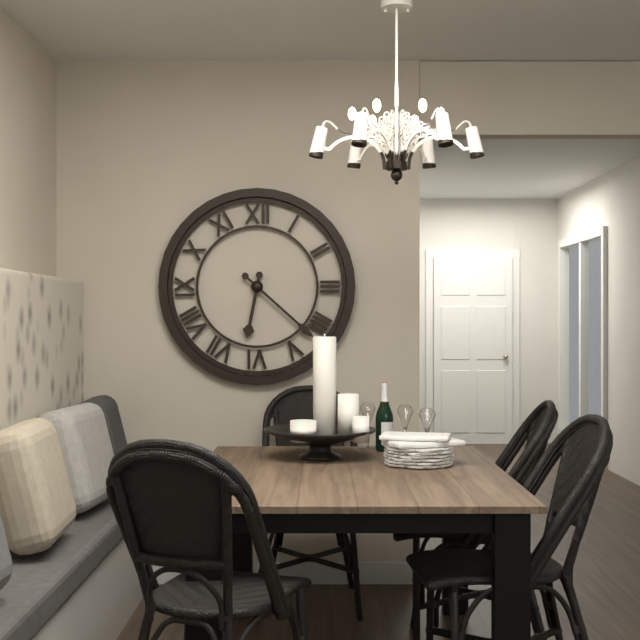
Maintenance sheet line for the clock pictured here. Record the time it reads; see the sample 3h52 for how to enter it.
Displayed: 6h22
